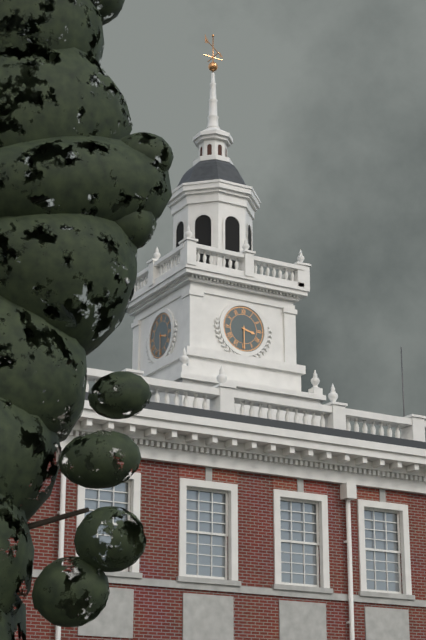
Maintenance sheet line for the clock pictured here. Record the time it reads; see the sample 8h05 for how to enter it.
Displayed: 3h30
